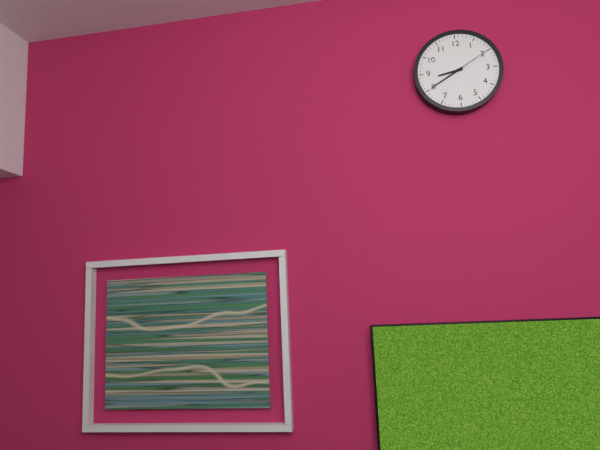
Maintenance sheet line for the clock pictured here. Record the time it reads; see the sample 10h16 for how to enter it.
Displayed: 8h40
